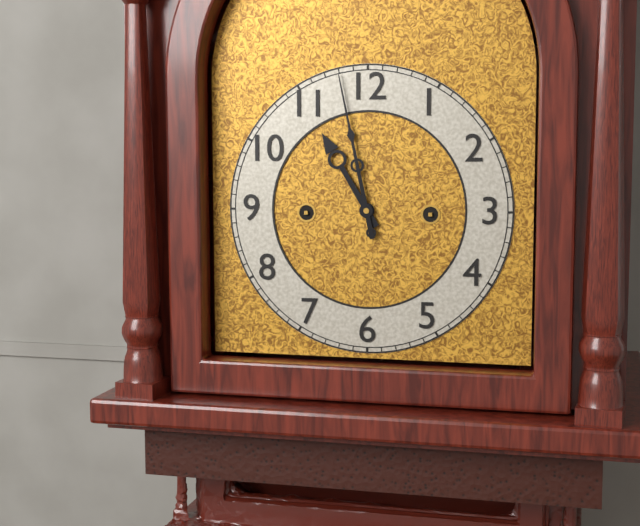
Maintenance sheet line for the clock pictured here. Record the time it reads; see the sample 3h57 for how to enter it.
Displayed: 10h58
